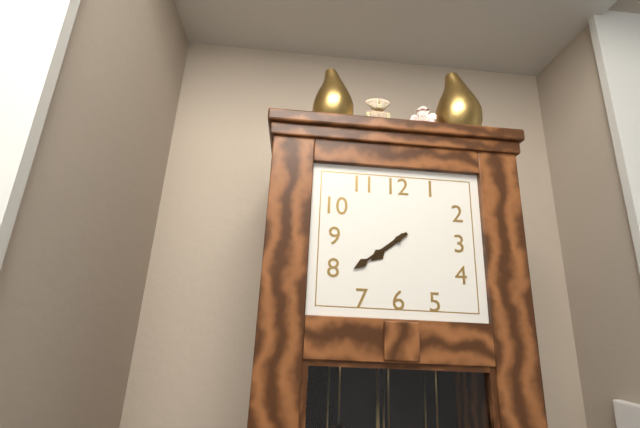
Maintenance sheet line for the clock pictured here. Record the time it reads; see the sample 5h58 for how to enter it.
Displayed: 7h39
